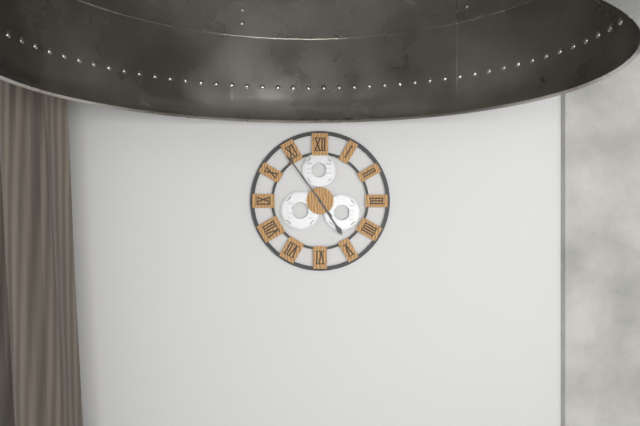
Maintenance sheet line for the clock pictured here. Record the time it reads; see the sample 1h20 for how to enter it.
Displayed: 4h54
